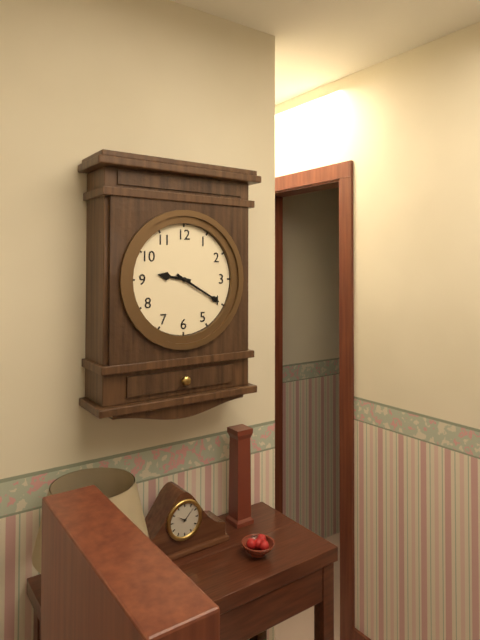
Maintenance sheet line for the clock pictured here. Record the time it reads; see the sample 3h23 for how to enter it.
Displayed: 9h20
